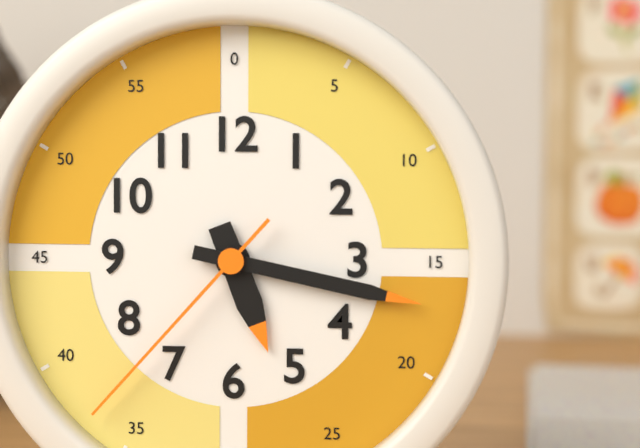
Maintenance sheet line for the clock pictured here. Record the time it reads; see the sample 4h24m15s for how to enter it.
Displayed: 5h17m37s
